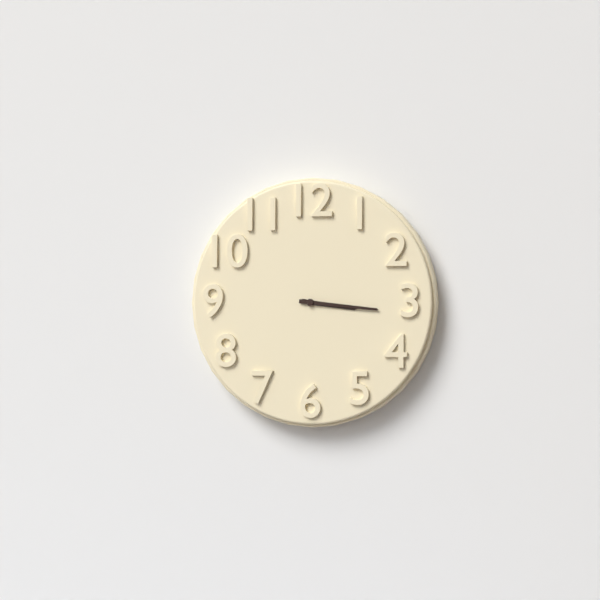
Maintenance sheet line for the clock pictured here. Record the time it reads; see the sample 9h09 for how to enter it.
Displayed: 3h16
